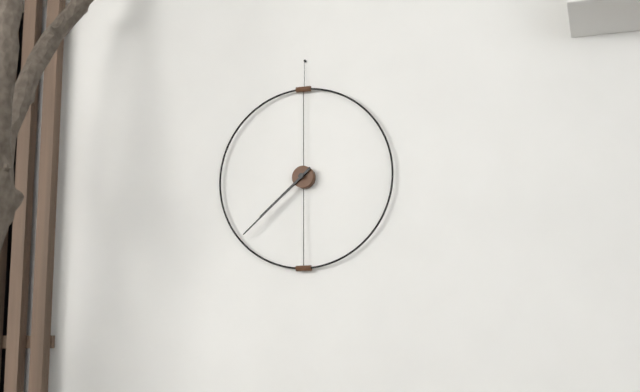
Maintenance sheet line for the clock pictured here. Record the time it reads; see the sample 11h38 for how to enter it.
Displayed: 7h38
